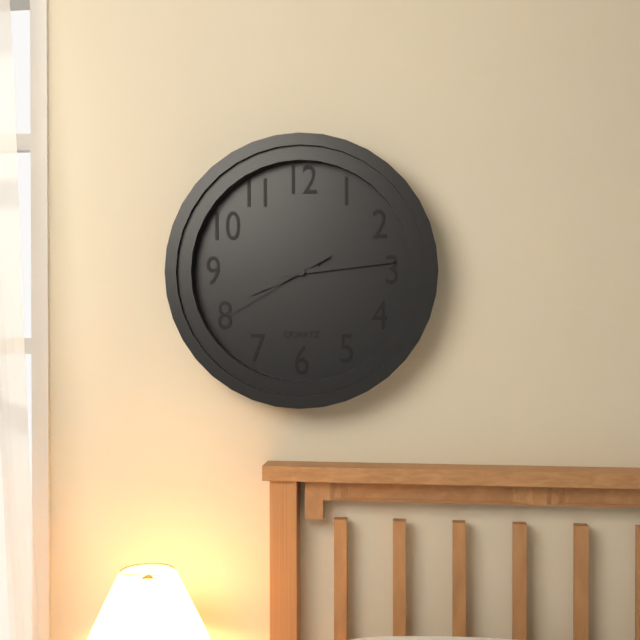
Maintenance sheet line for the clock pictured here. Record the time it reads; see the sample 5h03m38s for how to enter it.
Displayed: 8h14m40s
